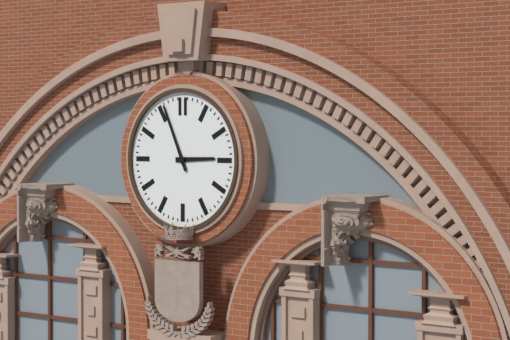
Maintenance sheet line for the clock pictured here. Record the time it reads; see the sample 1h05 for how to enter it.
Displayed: 2h56
